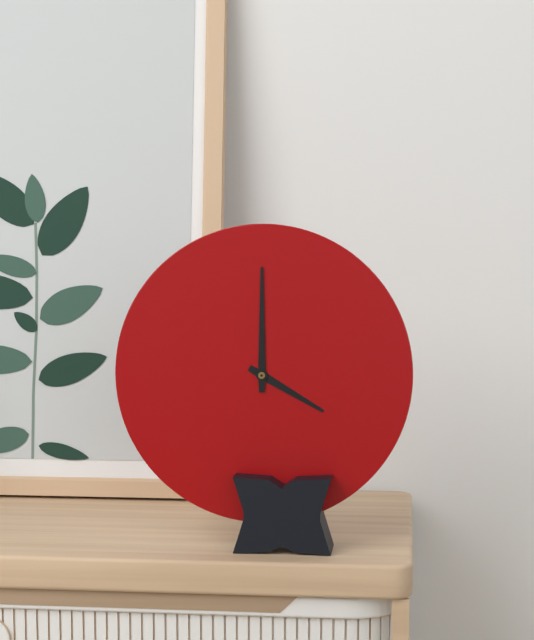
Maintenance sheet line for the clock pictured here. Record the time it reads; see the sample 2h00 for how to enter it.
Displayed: 4h00
